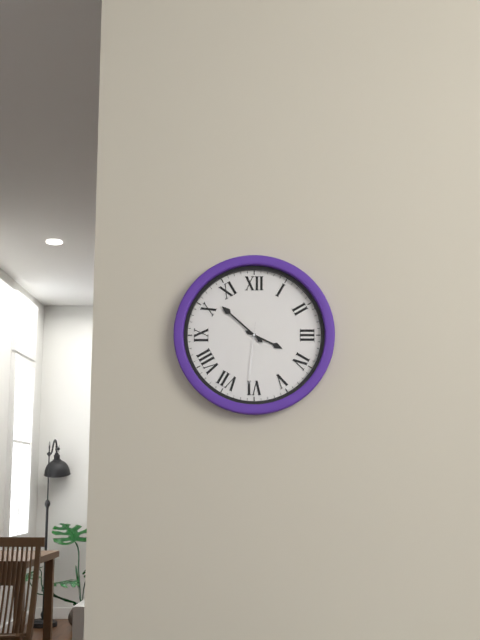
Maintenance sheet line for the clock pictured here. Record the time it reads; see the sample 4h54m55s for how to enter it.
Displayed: 3h52m31s
